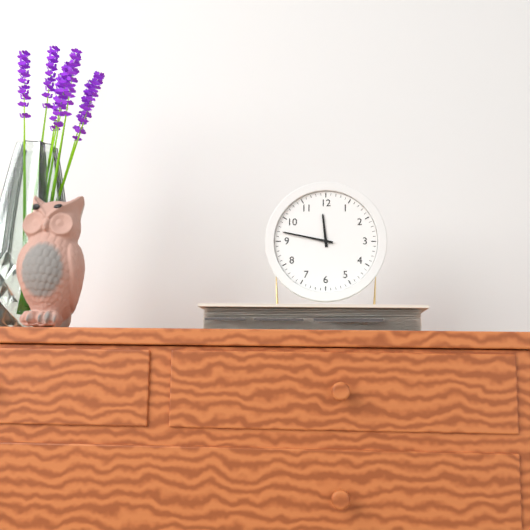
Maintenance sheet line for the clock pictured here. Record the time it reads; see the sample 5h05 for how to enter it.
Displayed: 11h47
